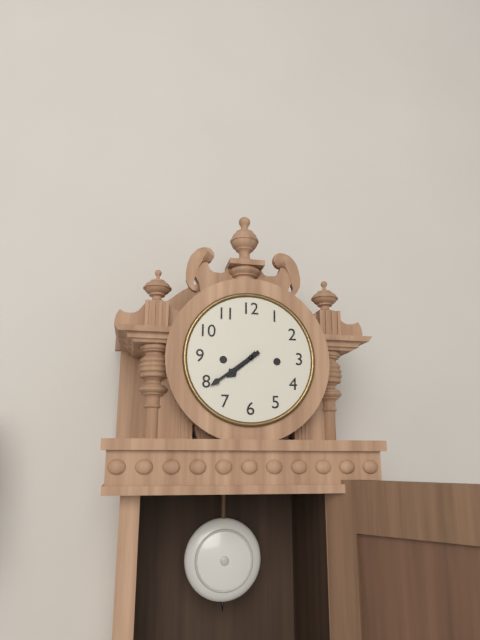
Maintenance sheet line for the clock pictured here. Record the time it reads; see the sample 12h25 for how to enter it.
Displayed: 7h39
